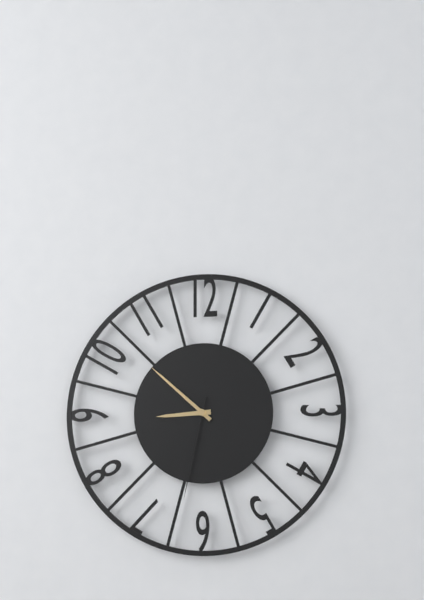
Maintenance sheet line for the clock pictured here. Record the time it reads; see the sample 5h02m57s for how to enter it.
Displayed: 8h52m32s
